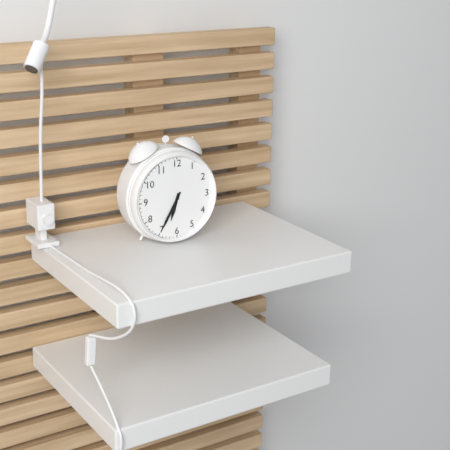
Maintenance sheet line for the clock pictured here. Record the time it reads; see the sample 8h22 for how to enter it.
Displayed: 6h35
